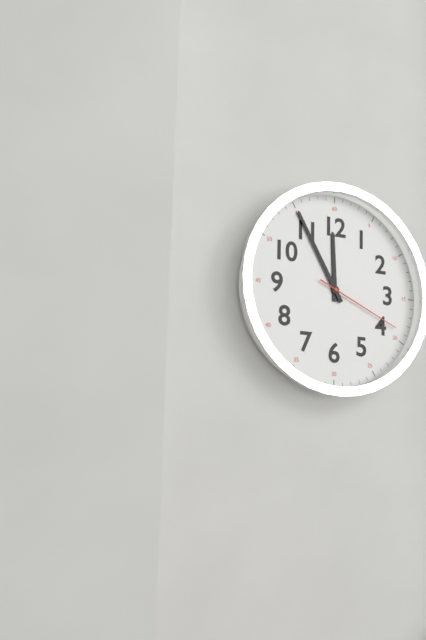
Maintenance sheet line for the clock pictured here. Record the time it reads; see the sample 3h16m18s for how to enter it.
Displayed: 11h55m19s
